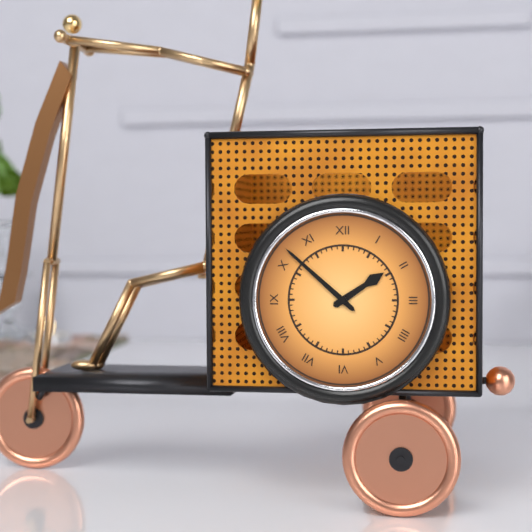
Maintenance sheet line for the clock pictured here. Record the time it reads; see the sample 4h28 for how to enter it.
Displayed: 1h52
